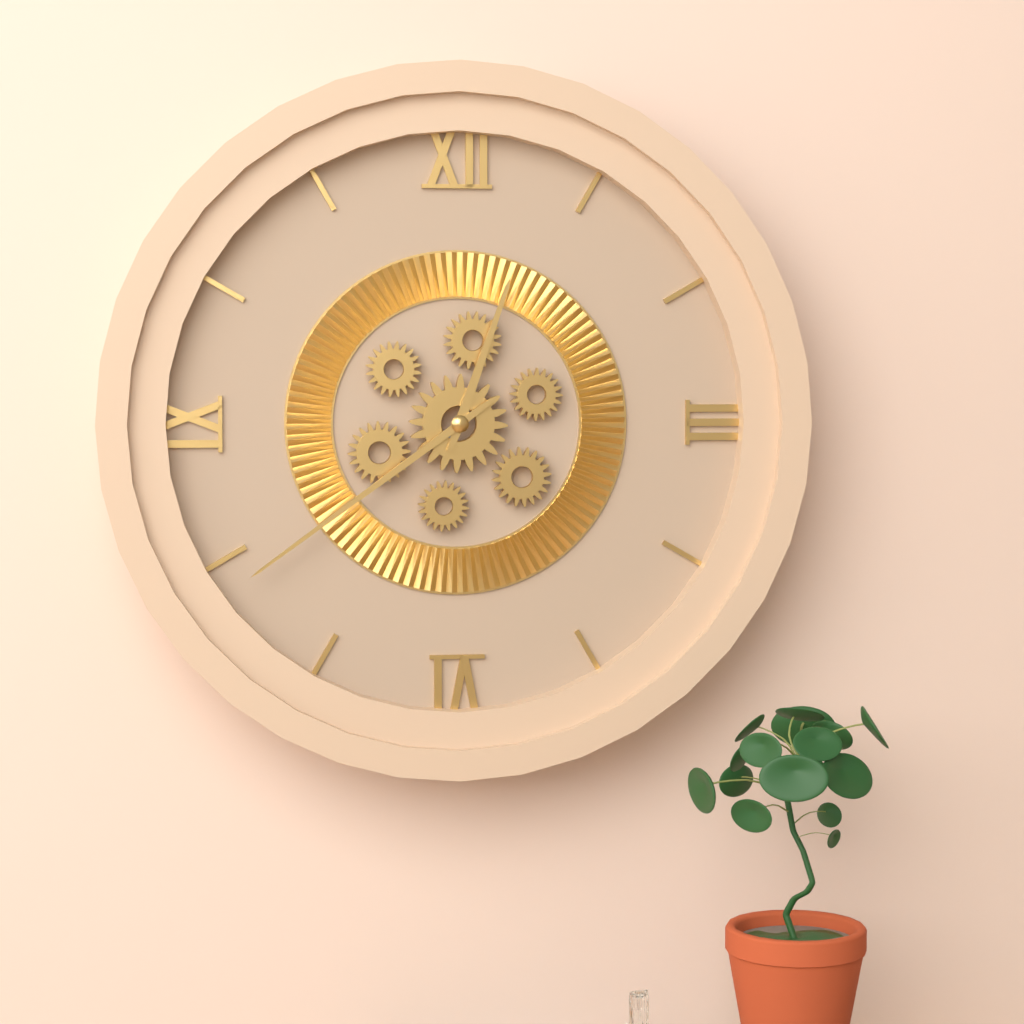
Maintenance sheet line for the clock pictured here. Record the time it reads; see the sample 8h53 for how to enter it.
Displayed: 12h39
